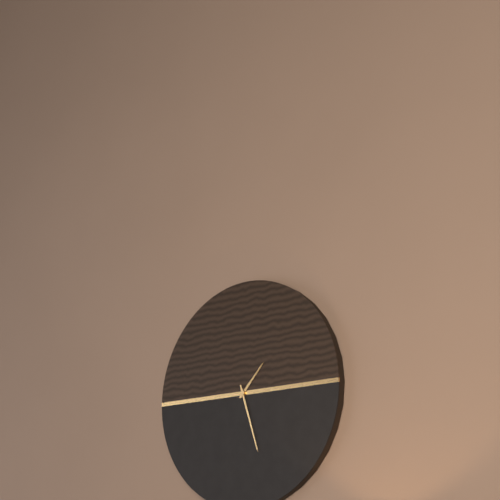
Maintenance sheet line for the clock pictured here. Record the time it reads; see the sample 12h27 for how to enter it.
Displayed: 1h27
